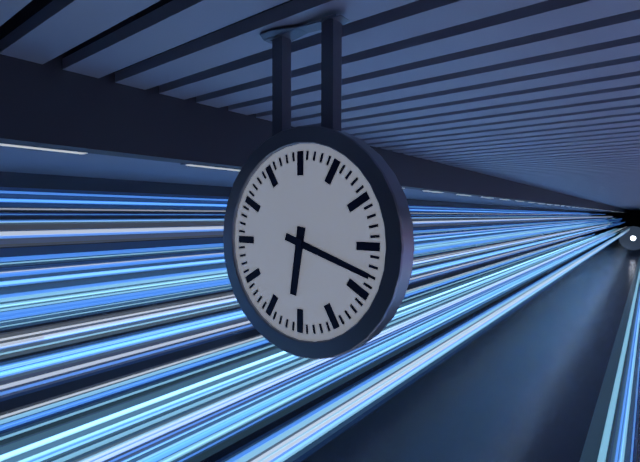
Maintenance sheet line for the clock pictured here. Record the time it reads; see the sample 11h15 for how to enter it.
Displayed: 6h18
